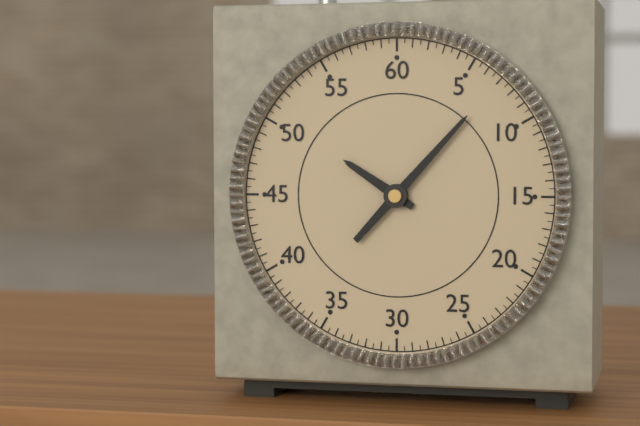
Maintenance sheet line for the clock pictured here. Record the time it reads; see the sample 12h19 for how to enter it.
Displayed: 10h07
